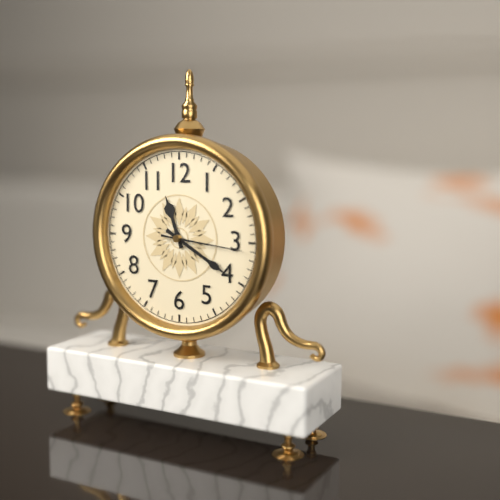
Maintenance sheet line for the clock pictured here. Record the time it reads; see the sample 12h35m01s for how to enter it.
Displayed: 11h20m16s
